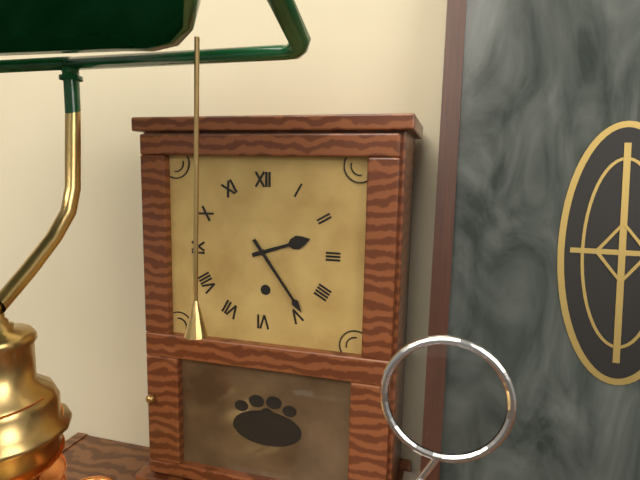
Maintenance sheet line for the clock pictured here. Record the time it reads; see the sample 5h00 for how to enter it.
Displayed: 2h24
